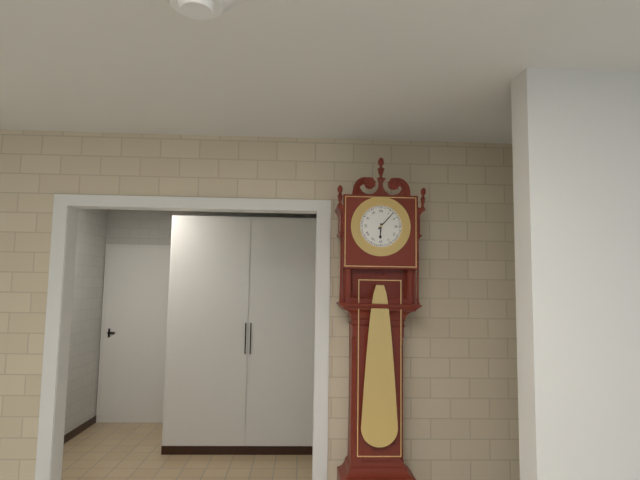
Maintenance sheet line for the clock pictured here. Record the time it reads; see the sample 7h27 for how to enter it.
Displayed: 6h07
